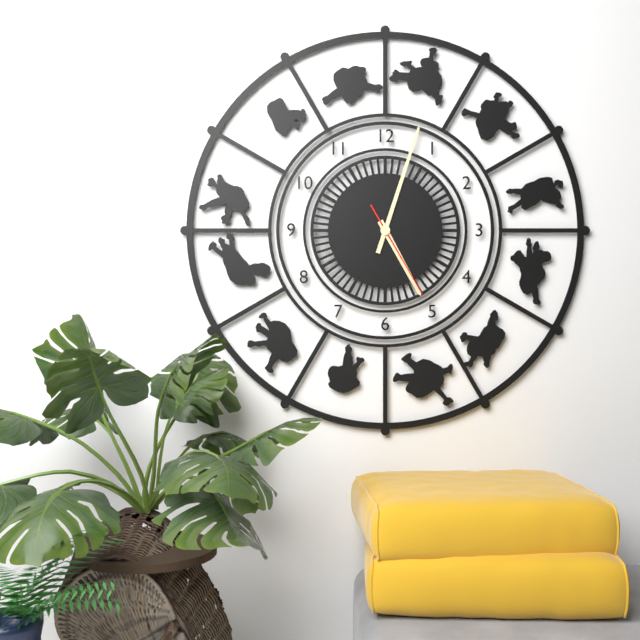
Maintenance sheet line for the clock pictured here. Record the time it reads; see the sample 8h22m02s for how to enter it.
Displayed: 5h03m25s
